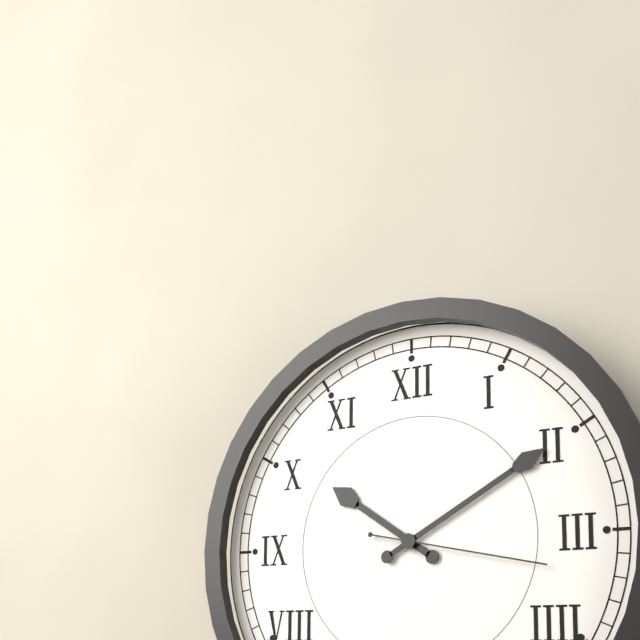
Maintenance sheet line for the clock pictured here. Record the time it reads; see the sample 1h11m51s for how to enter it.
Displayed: 10h10m17s
